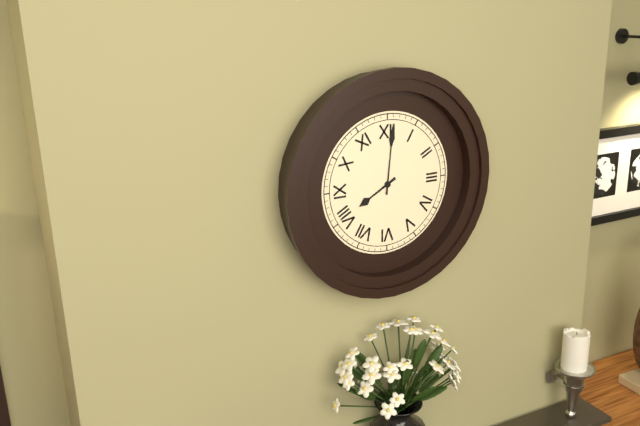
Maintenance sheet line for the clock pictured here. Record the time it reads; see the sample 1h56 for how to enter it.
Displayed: 8h01
